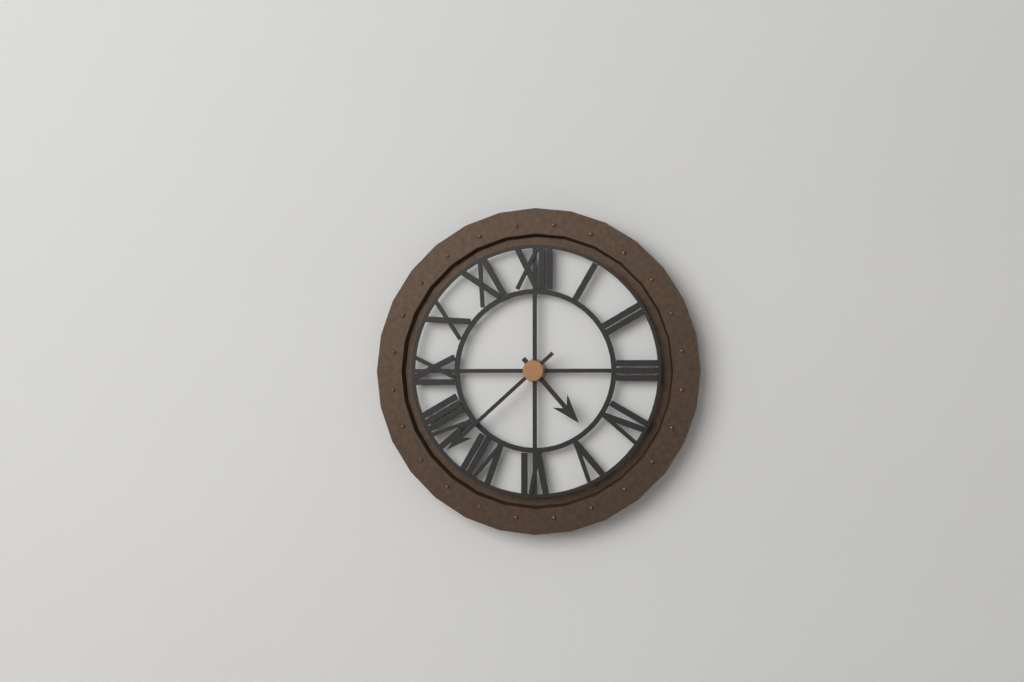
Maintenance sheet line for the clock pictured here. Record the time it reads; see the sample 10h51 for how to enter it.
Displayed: 4h38
